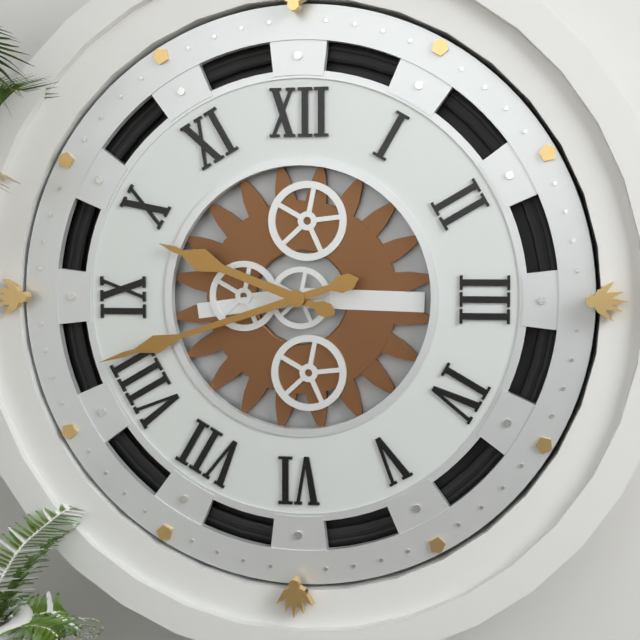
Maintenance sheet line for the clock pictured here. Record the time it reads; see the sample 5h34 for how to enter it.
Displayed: 9h42
